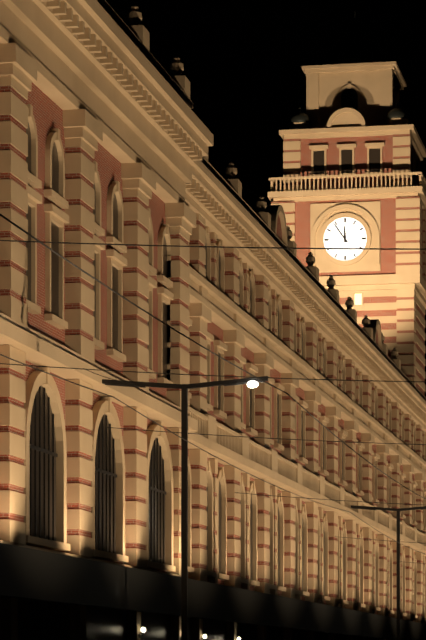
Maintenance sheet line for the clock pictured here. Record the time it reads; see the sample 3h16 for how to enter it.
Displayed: 11h54
